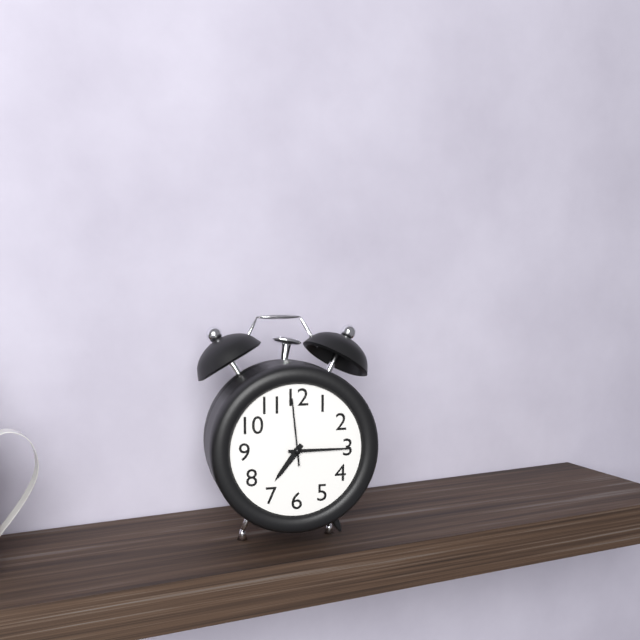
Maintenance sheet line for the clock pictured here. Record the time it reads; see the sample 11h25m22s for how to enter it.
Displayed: 7h15m59s
